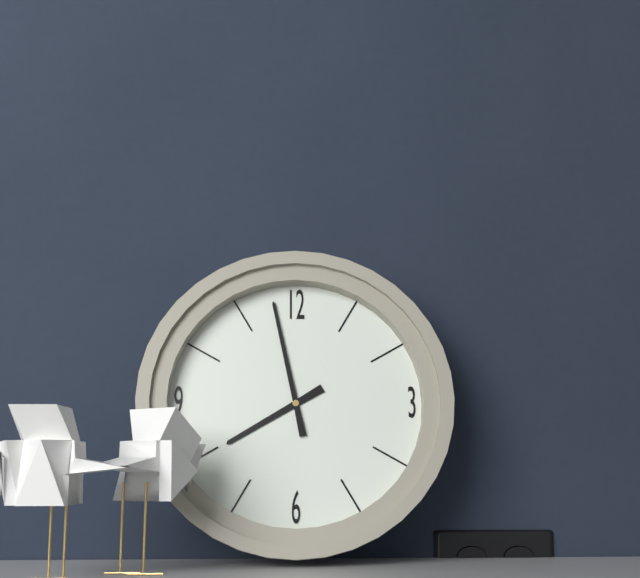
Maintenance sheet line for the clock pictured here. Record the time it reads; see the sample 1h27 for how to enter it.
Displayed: 7h58
